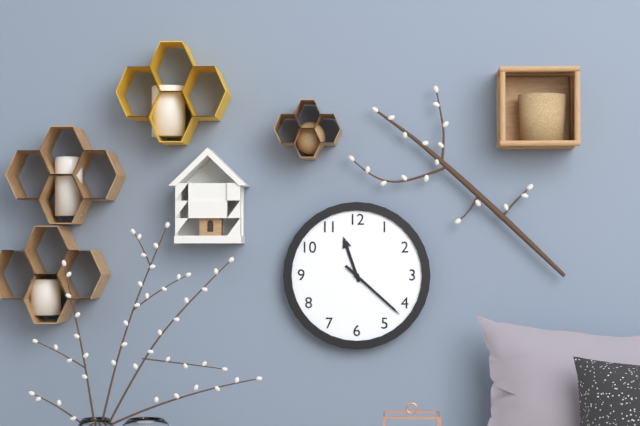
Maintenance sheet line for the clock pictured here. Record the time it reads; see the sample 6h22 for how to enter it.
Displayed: 11h22
